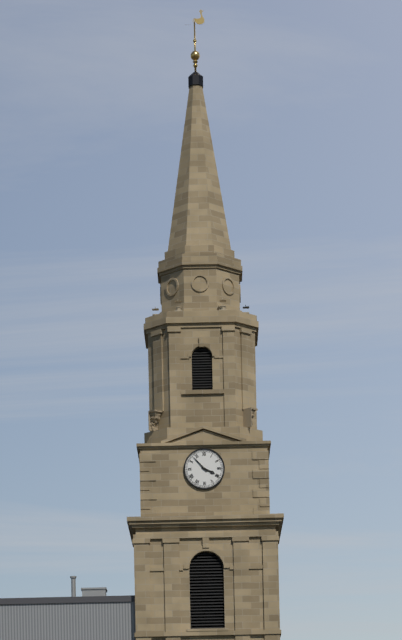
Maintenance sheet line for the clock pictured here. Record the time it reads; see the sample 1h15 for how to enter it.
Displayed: 3h53
